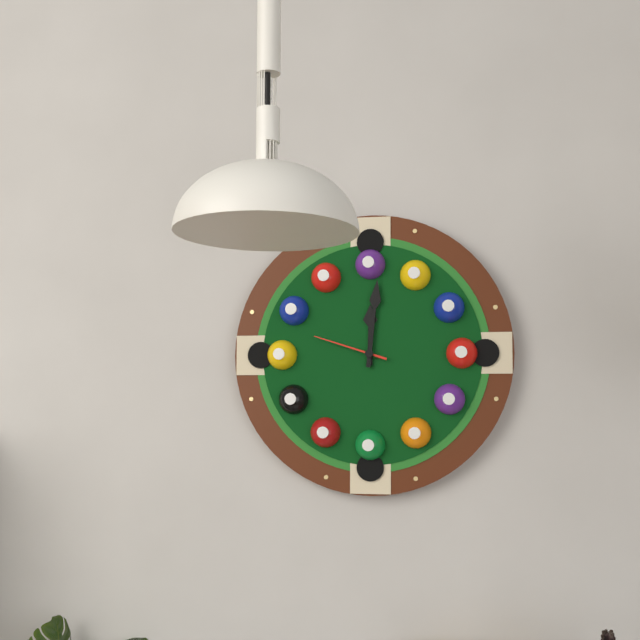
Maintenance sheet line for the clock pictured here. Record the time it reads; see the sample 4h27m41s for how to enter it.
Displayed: 12h01m48s
